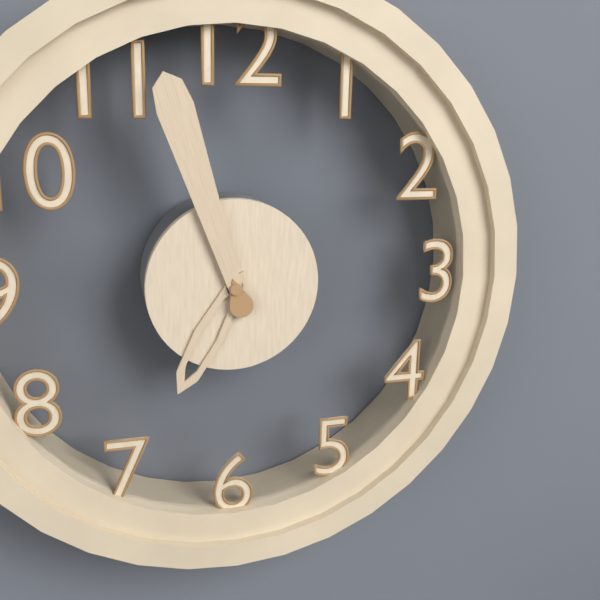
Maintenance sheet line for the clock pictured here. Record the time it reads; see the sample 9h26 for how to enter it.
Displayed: 6h57
